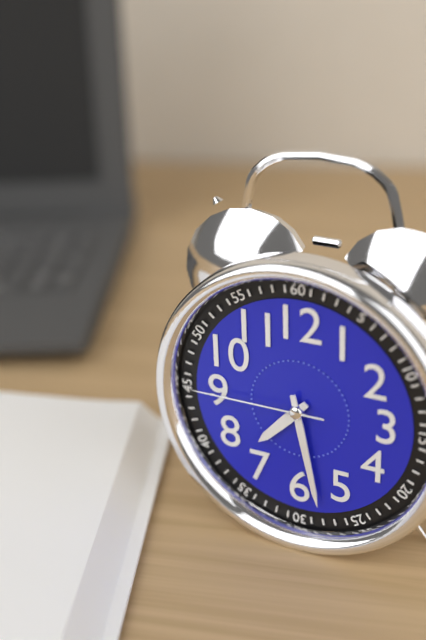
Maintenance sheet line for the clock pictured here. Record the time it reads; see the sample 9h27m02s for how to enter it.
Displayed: 7h28m45s
